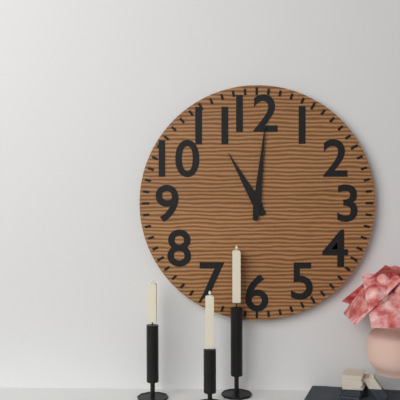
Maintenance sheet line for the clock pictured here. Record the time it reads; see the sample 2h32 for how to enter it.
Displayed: 11h01
